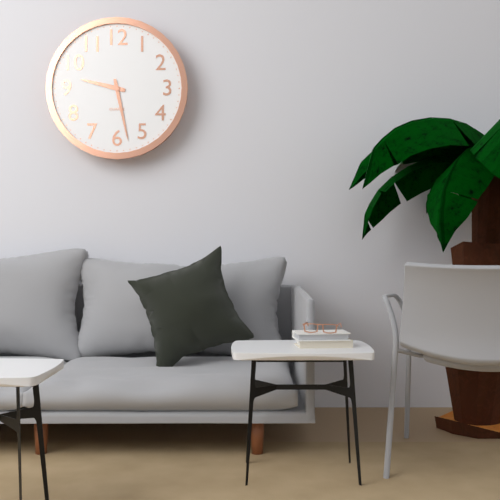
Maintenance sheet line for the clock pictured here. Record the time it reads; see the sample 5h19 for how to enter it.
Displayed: 9h28
